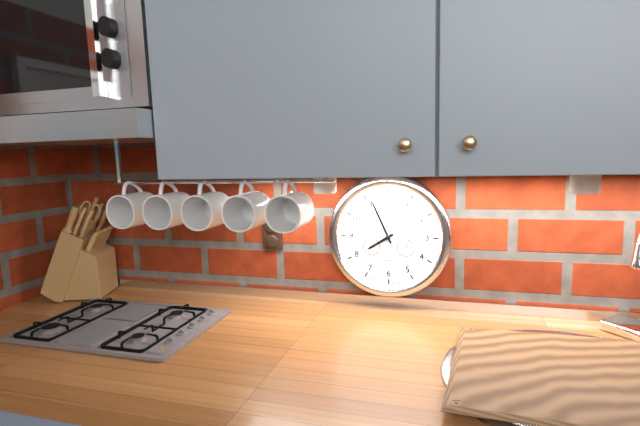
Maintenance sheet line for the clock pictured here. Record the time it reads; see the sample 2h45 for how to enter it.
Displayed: 7h56
